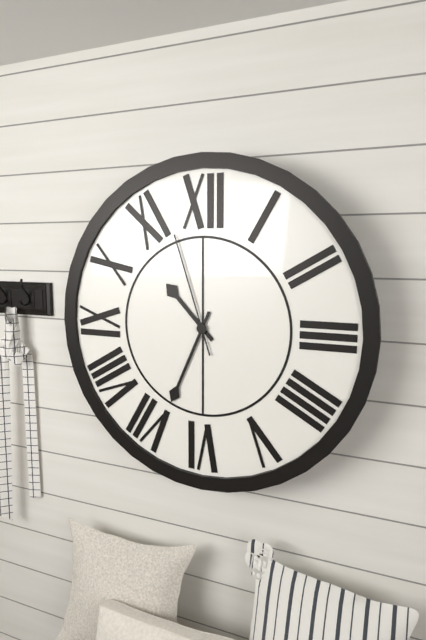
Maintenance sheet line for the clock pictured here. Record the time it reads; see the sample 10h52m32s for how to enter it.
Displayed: 10h34m57s
